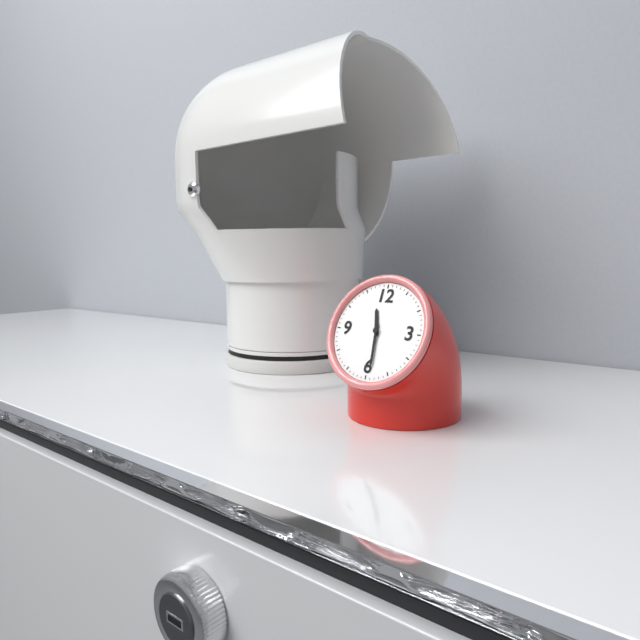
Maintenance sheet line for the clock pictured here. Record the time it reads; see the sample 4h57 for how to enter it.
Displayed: 11h29
